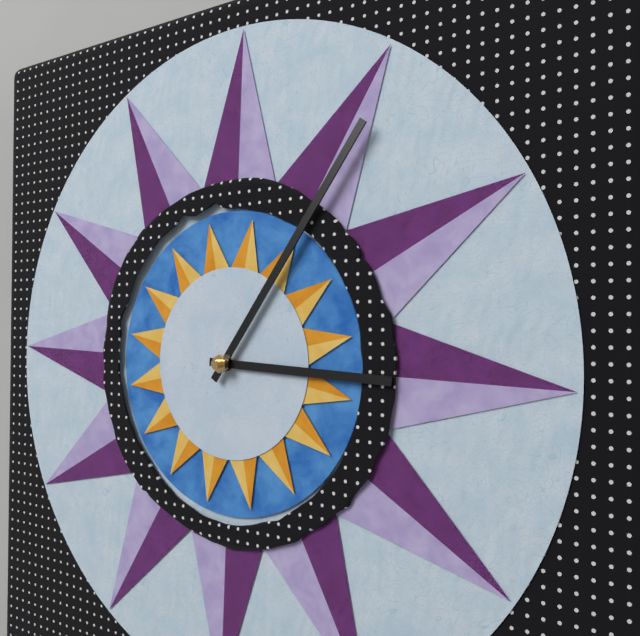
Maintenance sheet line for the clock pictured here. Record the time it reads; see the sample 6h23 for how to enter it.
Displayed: 3h06
